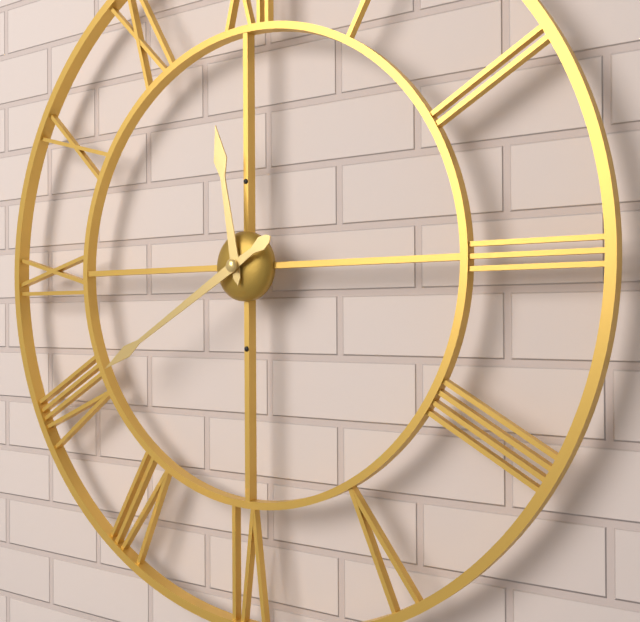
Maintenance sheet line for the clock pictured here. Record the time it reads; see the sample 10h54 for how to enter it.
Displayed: 11h40
